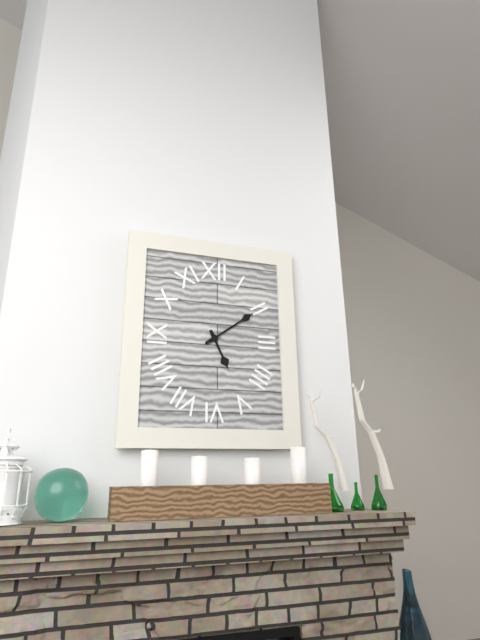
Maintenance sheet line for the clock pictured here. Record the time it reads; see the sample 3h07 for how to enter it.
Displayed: 5h09
